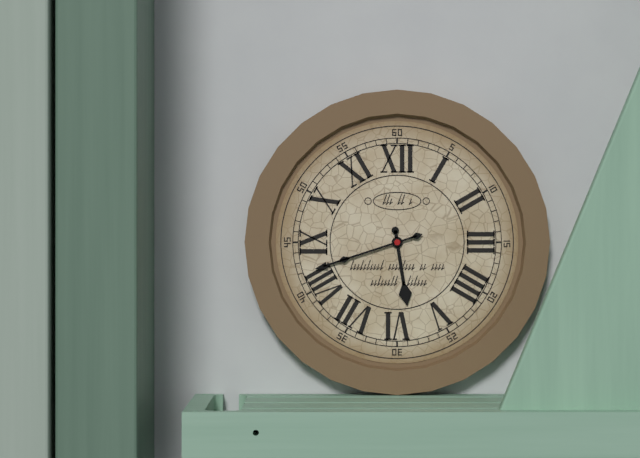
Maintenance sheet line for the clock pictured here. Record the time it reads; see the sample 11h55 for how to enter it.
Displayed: 5h42
